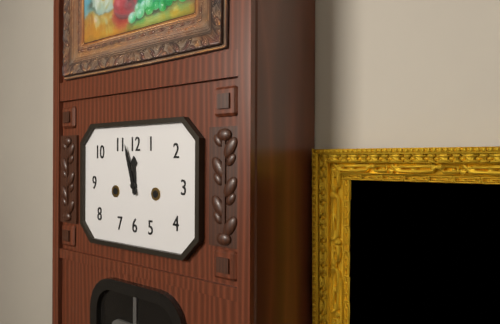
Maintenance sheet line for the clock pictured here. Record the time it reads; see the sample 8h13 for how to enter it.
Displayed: 11h57
